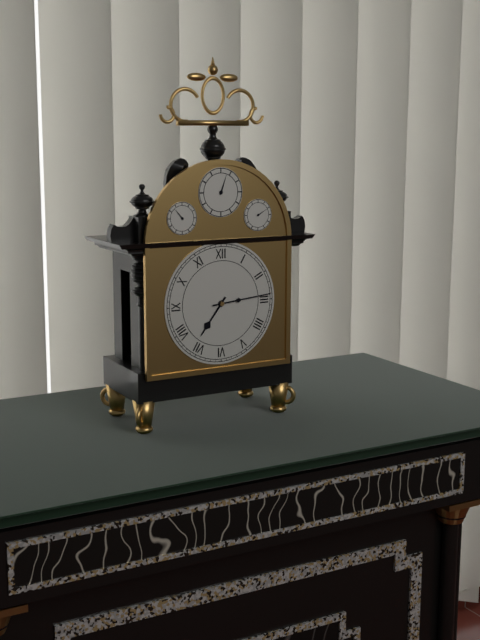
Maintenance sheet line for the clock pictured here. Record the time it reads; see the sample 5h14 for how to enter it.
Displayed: 7h14
